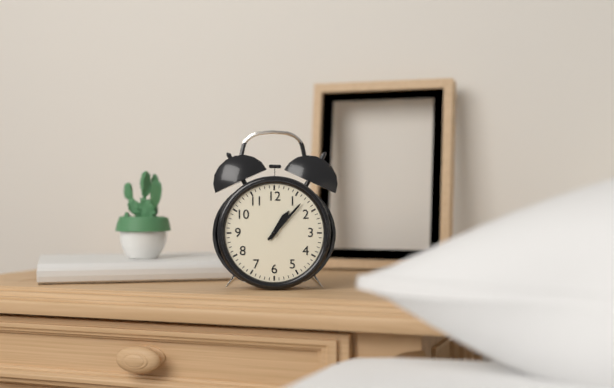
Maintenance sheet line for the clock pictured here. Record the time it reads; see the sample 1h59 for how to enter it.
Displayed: 1h07
